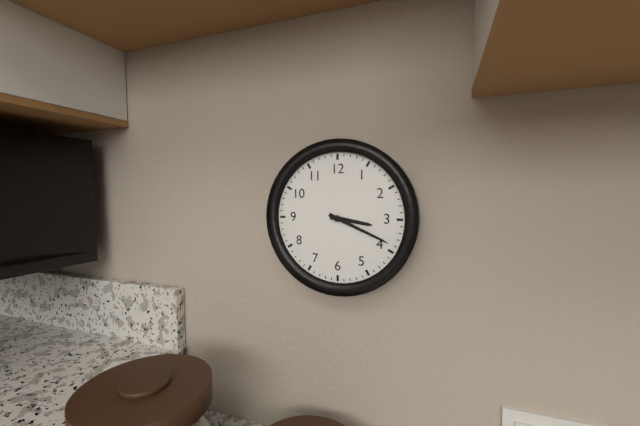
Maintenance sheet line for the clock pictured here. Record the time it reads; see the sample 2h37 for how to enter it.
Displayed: 3h19
